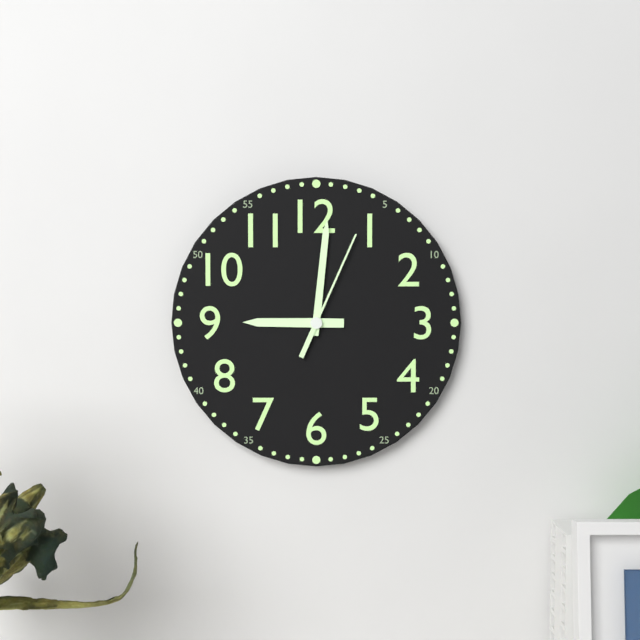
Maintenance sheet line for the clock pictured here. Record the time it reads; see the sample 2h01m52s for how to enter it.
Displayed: 9h01m04s
